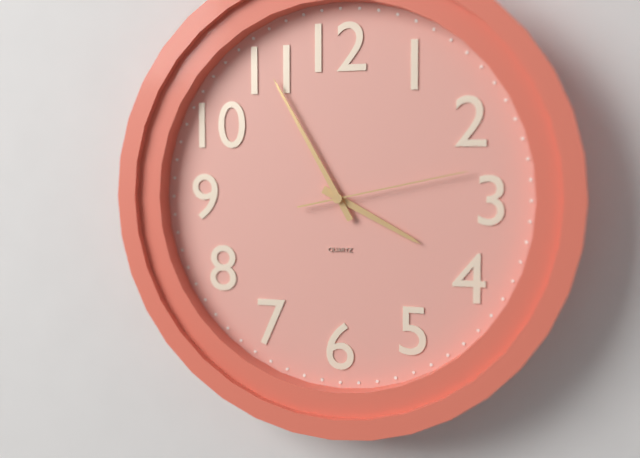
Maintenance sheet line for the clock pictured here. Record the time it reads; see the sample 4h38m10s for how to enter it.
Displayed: 3h55m13s
